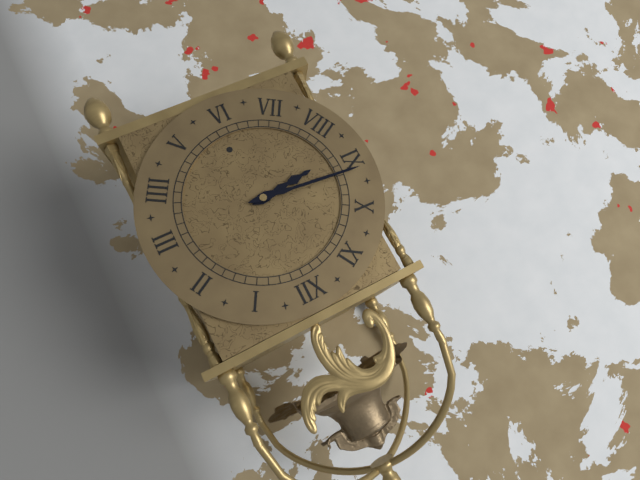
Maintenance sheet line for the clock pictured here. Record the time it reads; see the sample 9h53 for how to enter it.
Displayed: 8h46
